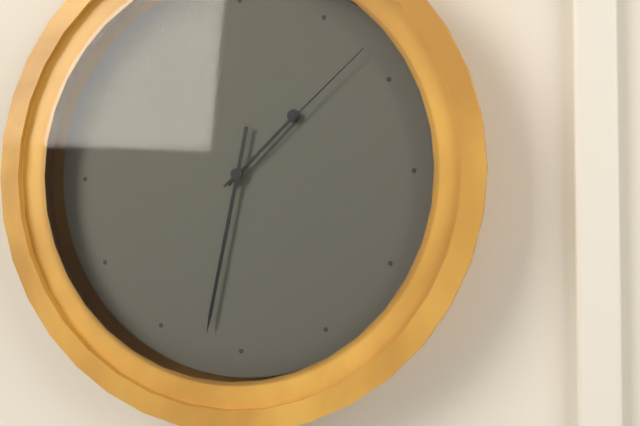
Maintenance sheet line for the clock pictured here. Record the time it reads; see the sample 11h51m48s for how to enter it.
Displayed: 1h32m08s
